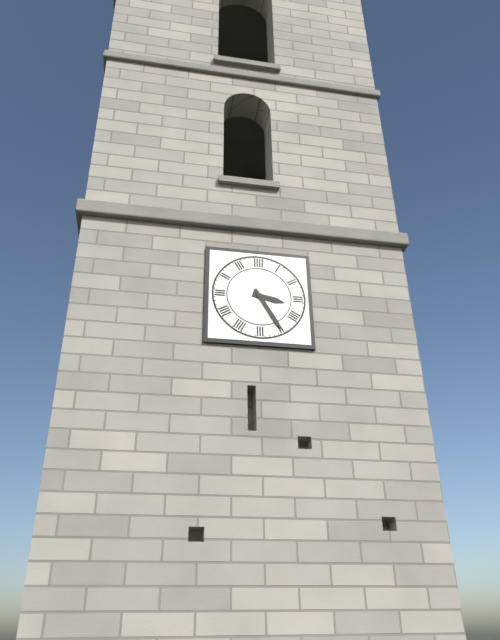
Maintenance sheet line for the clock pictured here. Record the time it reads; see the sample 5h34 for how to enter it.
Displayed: 3h25
